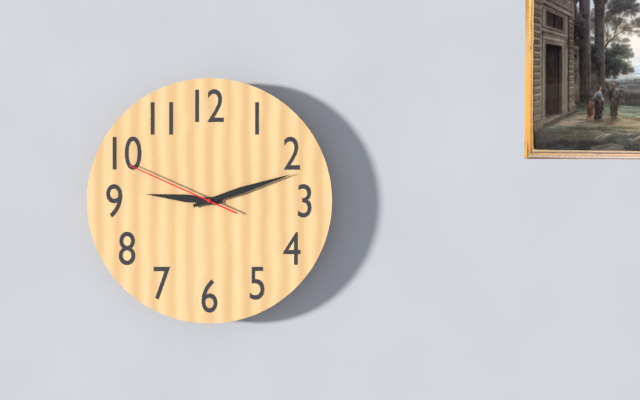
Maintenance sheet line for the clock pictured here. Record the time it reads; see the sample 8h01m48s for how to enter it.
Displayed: 9h12m49s
